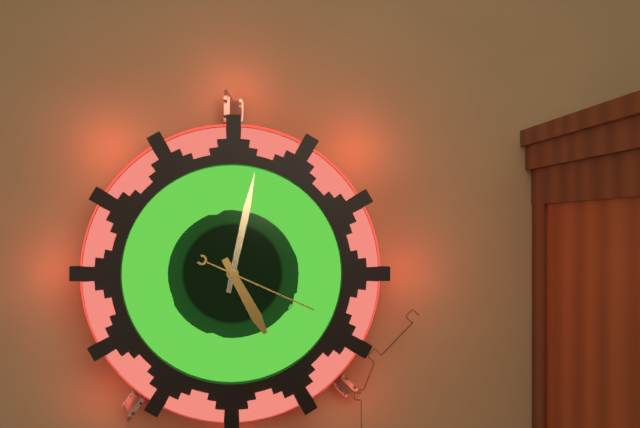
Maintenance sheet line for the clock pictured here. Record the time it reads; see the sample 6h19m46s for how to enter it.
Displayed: 5h02m19s
